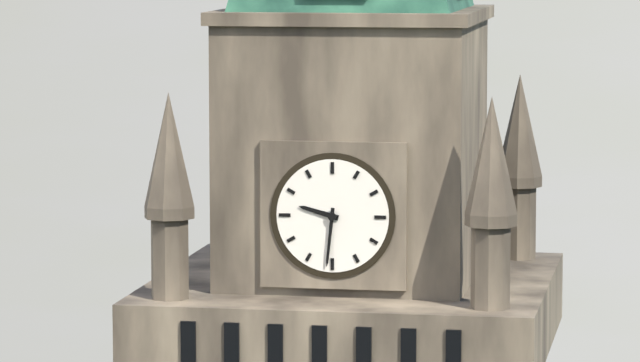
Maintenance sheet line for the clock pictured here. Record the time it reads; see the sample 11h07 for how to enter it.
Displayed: 9h31
